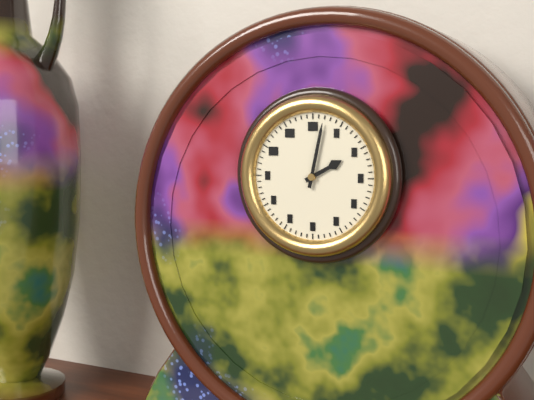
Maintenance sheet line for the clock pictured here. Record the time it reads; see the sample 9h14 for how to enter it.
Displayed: 2h02
